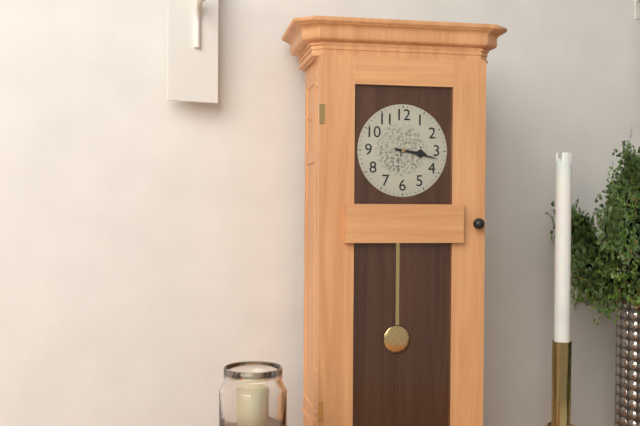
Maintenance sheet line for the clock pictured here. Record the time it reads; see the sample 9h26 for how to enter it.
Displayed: 3h17
